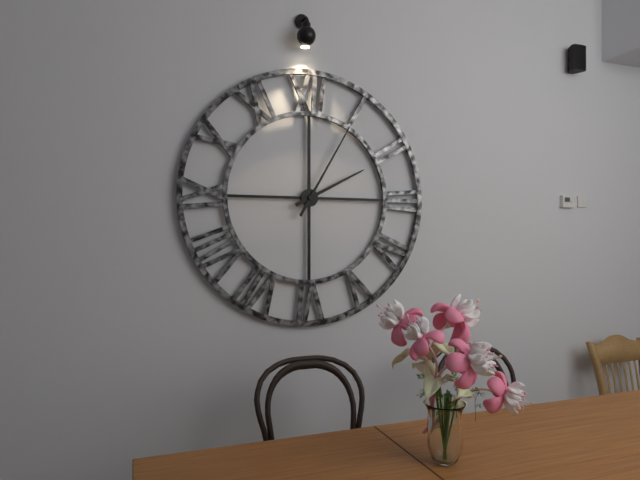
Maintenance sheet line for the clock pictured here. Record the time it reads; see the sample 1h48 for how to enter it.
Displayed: 2h05
